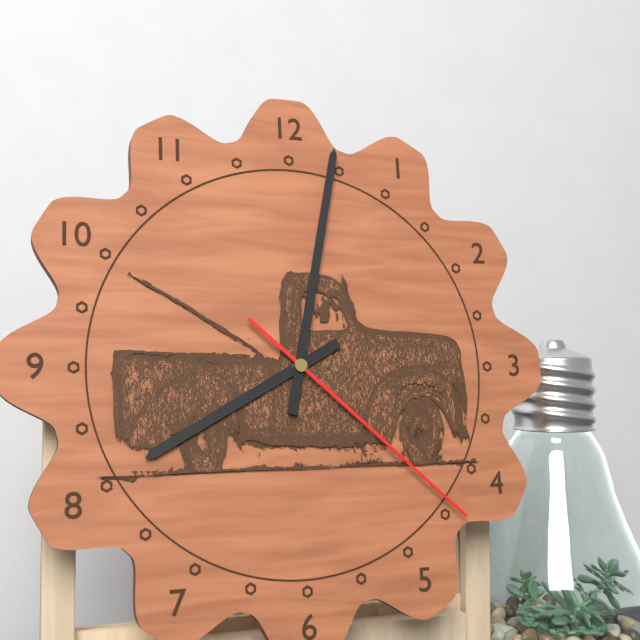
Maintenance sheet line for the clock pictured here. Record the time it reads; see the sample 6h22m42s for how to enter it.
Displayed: 8h02m22s
